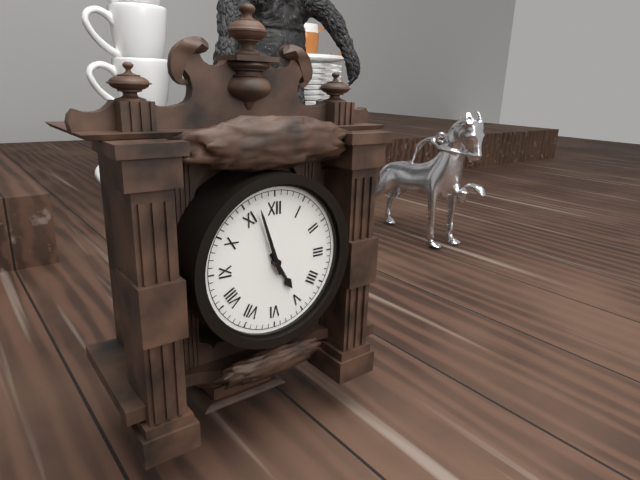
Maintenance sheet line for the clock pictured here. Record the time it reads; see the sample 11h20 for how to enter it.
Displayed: 4h57
